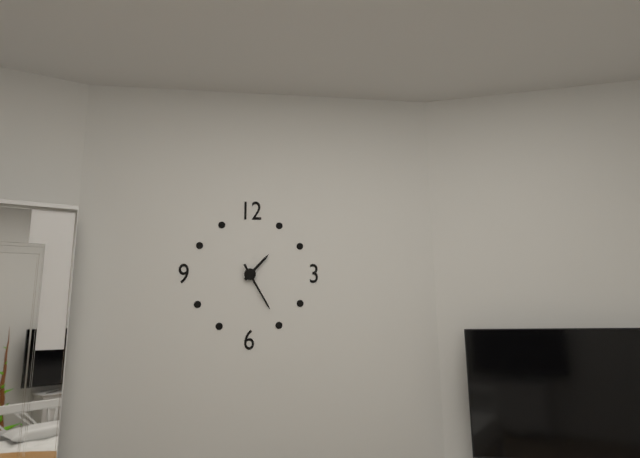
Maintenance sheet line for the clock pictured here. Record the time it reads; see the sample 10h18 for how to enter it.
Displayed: 1h25
